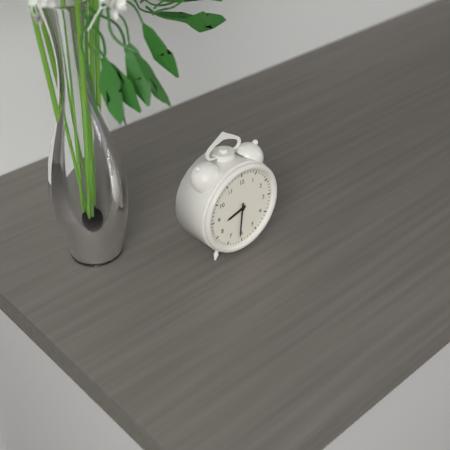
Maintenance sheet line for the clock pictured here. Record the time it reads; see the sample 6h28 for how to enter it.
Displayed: 8h31
